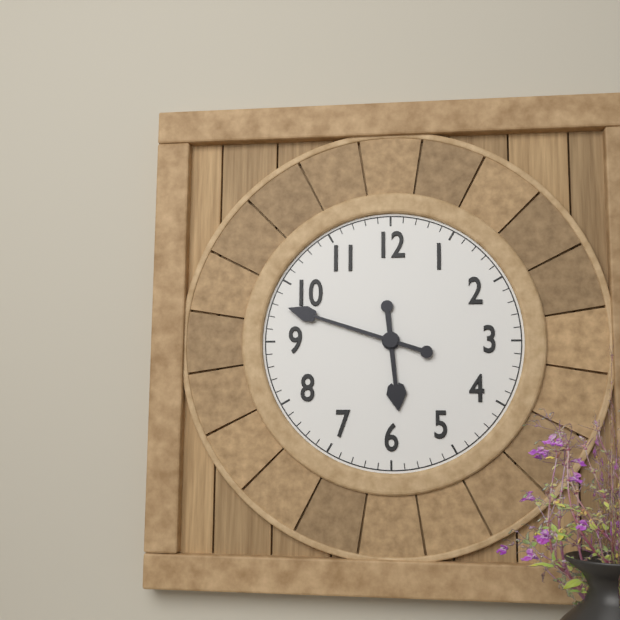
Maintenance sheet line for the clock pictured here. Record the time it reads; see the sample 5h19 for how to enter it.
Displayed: 5h48
